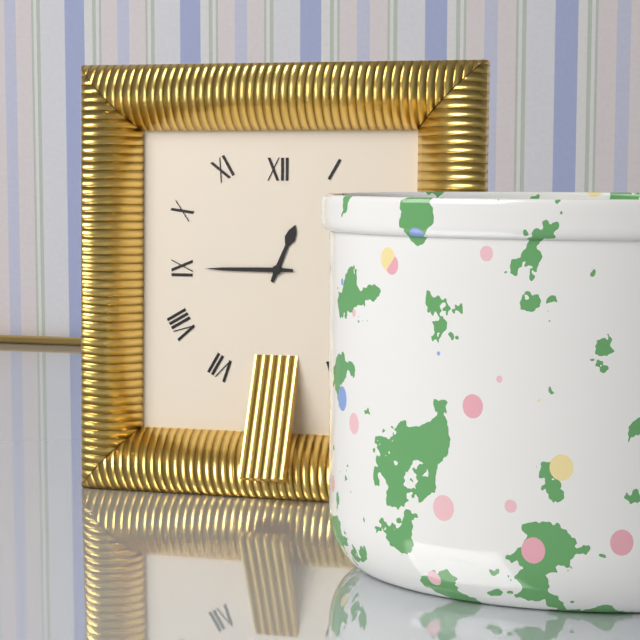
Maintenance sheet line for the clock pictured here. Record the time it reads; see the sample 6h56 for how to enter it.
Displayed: 12h45
